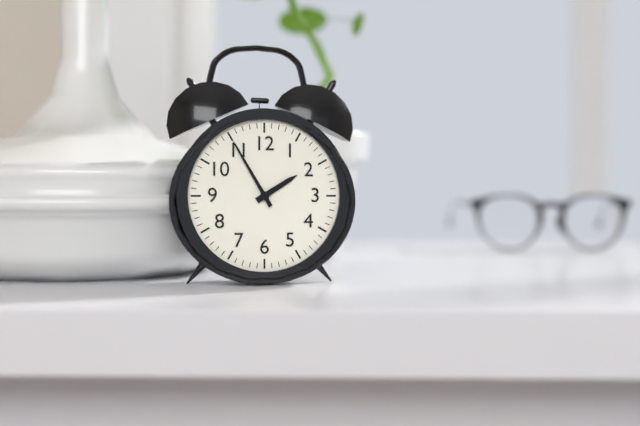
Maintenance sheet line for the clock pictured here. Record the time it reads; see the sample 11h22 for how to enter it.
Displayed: 1h55
